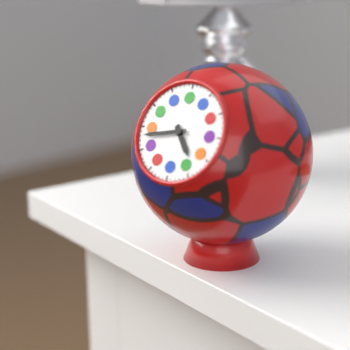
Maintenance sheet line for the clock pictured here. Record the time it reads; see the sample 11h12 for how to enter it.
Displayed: 4h43
